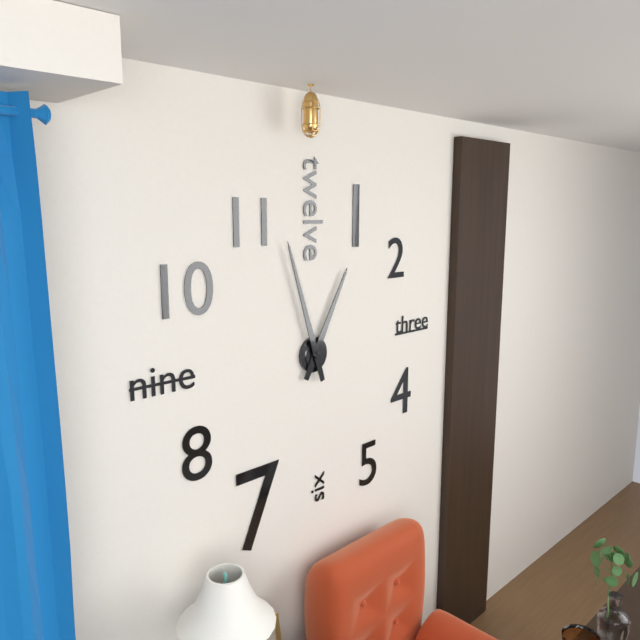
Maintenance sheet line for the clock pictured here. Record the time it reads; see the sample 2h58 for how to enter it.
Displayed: 12h57
